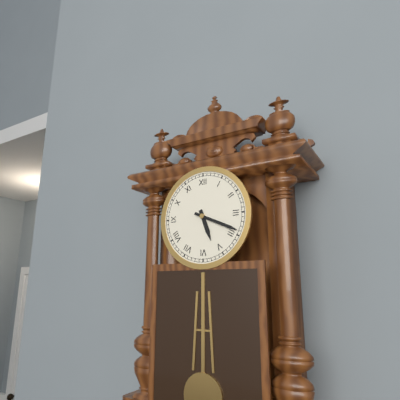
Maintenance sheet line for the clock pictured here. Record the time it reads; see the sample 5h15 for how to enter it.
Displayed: 5h19
